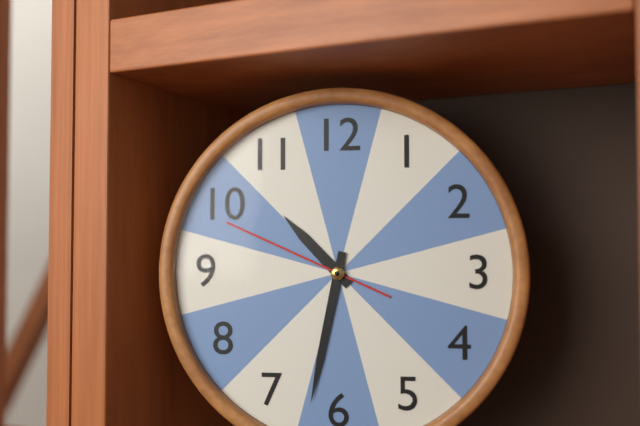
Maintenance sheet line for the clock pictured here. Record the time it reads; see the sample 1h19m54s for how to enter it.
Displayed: 10h32m49s
